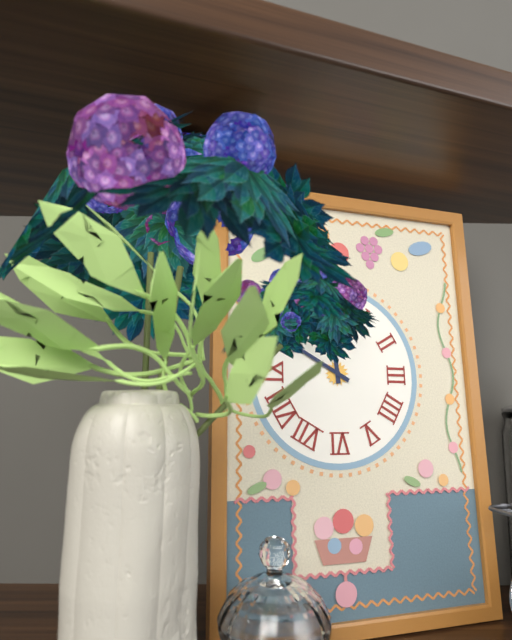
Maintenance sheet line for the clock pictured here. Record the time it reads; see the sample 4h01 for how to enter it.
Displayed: 11h50
